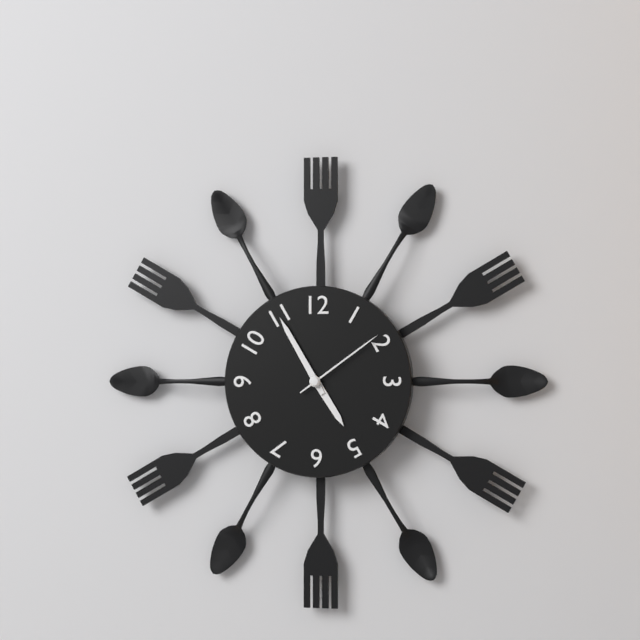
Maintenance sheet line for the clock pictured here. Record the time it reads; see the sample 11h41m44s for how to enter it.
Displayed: 4h55m09s
